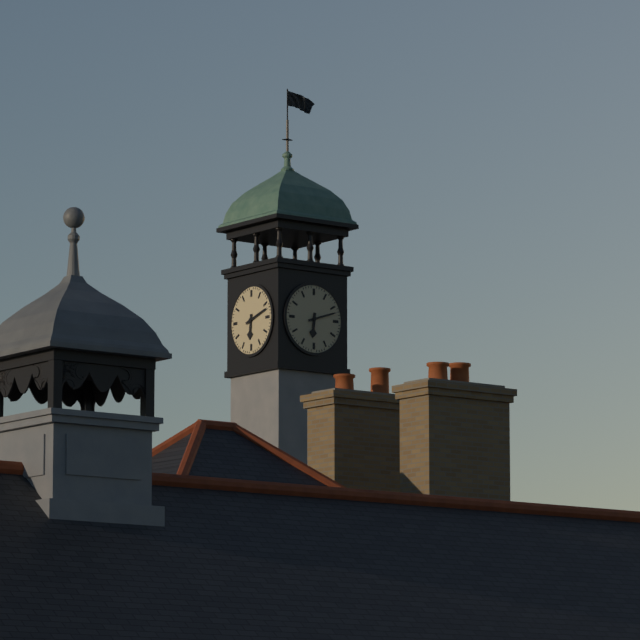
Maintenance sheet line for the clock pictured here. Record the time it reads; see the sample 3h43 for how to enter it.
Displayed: 6h12
